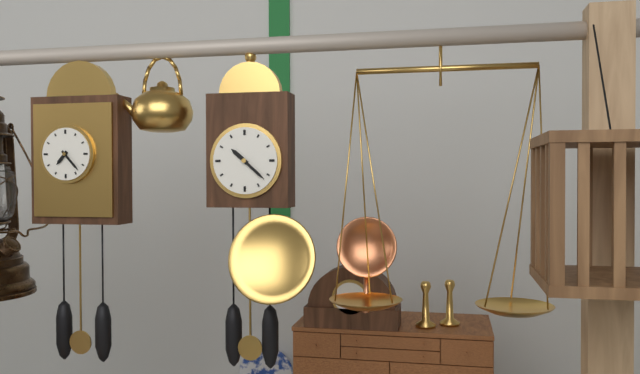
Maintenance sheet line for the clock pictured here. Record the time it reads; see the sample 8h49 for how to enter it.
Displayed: 10h22
